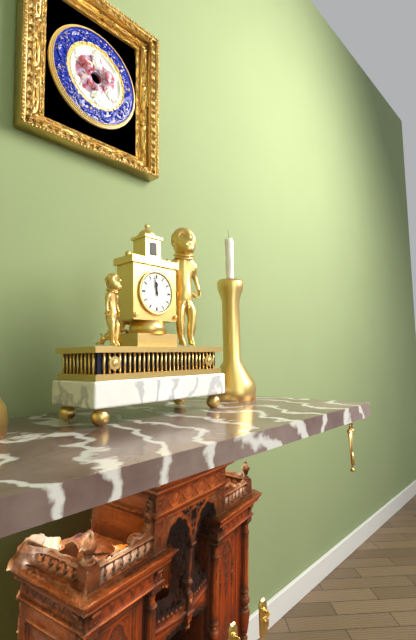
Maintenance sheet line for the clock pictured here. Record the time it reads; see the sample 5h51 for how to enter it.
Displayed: 11h58
